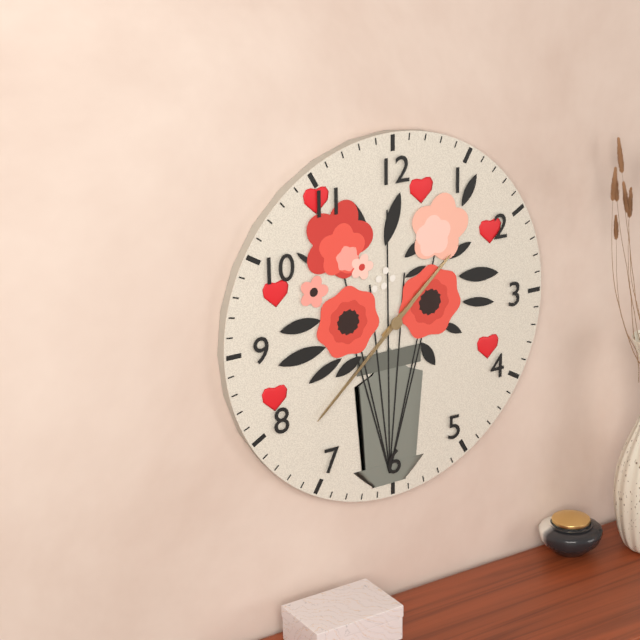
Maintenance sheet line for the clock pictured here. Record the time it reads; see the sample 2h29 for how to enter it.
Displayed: 1h38
